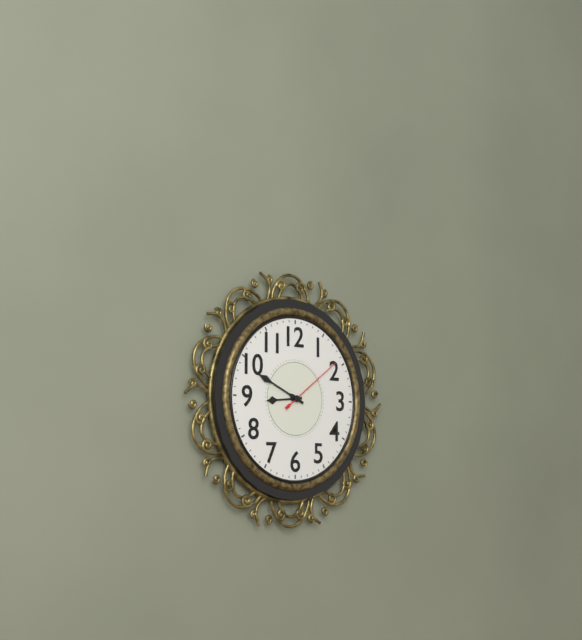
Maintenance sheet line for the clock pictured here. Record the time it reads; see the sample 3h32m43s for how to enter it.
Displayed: 8h49m09s
